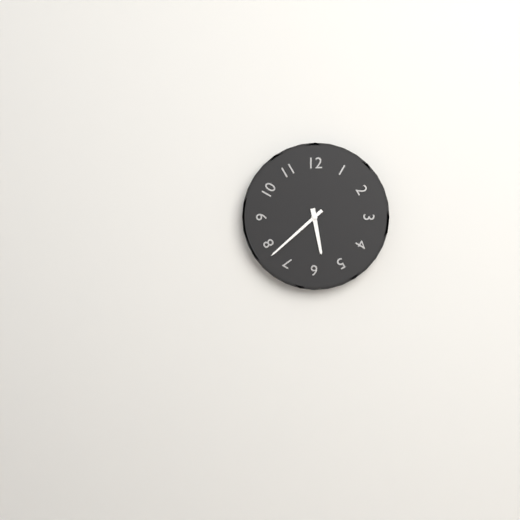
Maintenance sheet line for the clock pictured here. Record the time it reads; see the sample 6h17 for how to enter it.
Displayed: 5h38
